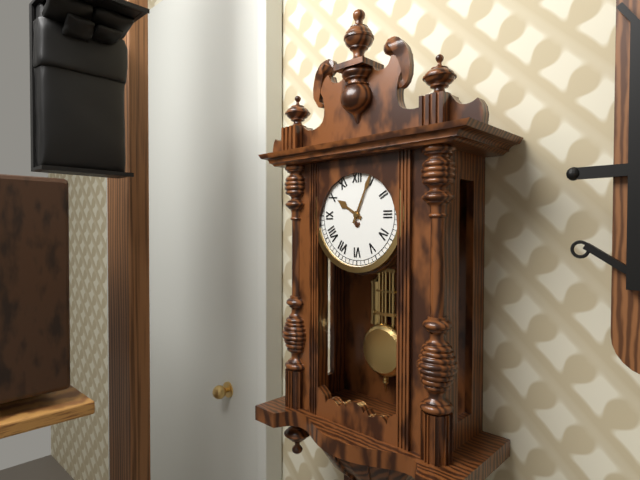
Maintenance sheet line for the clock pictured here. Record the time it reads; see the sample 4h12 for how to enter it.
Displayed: 10h04
